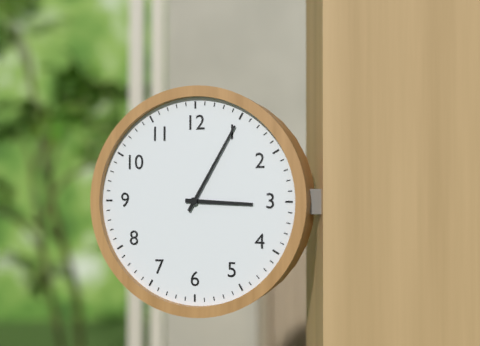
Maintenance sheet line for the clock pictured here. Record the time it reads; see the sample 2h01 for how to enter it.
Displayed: 3h05
